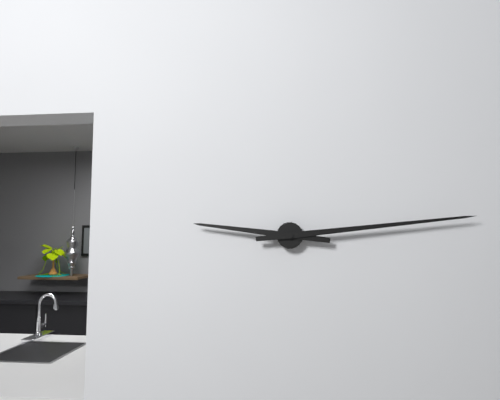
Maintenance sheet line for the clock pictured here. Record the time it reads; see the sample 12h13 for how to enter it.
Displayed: 9h14
